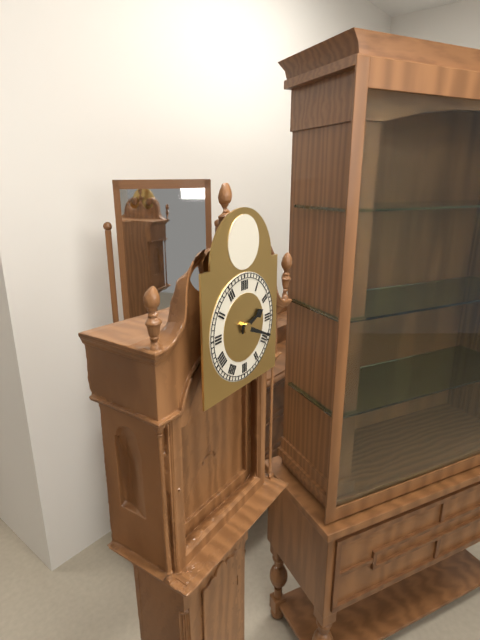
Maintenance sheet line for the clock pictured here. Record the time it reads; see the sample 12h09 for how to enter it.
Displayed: 2h19
